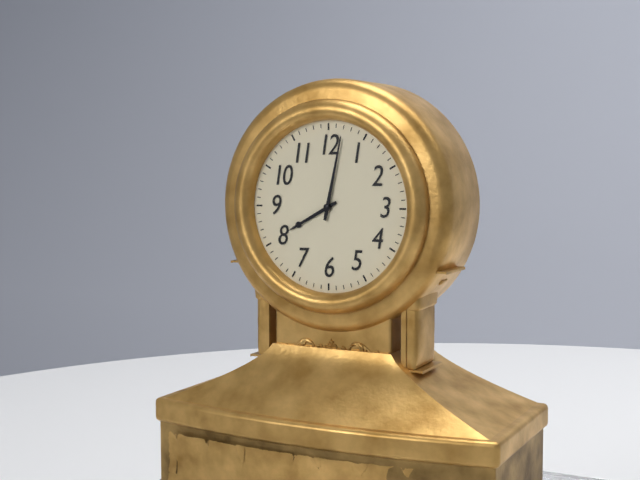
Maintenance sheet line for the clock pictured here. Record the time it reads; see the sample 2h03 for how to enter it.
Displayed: 8h02
